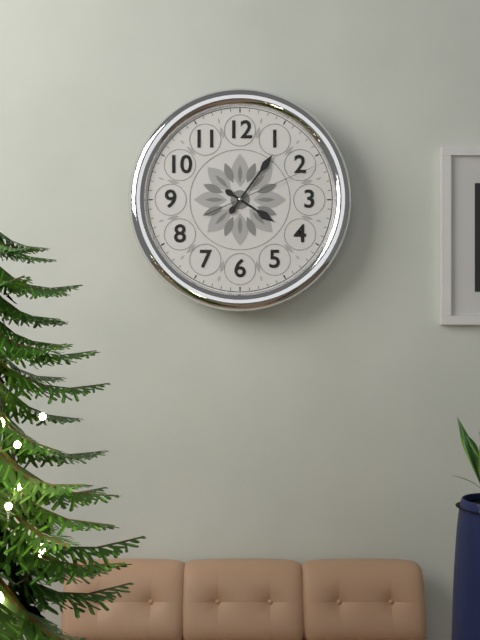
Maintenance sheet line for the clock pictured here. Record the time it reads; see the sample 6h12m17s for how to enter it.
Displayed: 4h06m11s
